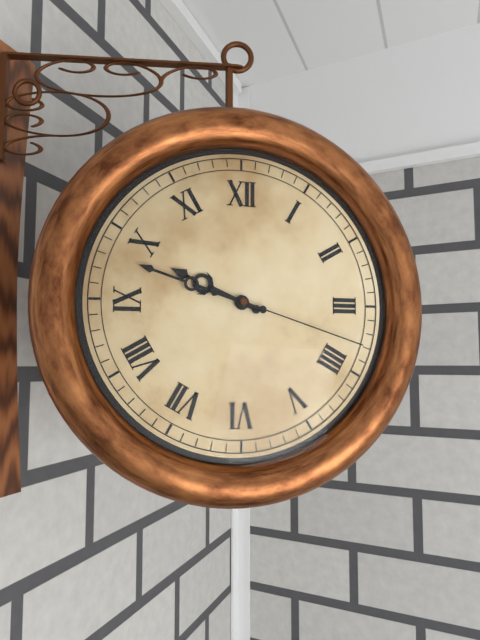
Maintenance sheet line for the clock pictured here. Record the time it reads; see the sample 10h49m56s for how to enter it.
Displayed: 9h48m18s
